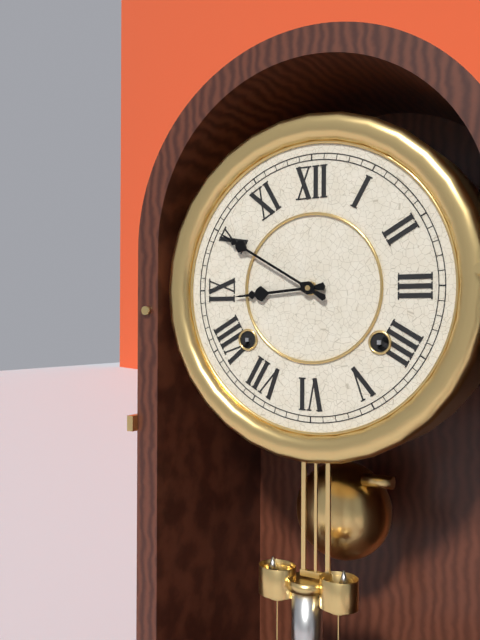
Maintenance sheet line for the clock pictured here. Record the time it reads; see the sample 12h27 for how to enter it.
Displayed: 8h50
